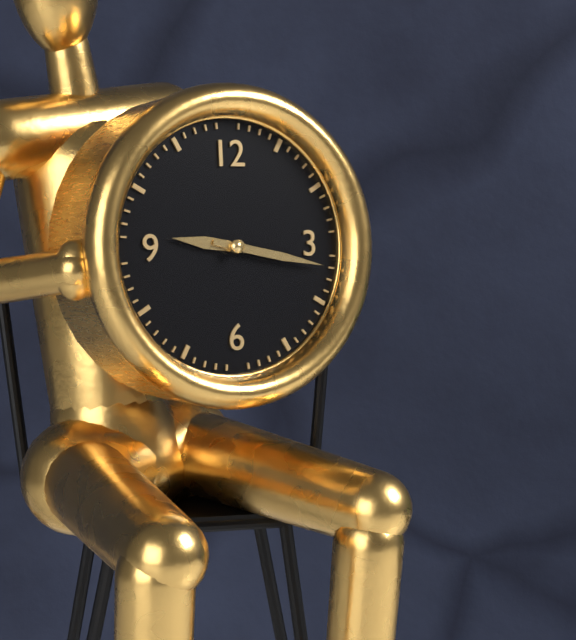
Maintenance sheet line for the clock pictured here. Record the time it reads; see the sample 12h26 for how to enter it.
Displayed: 9h17
